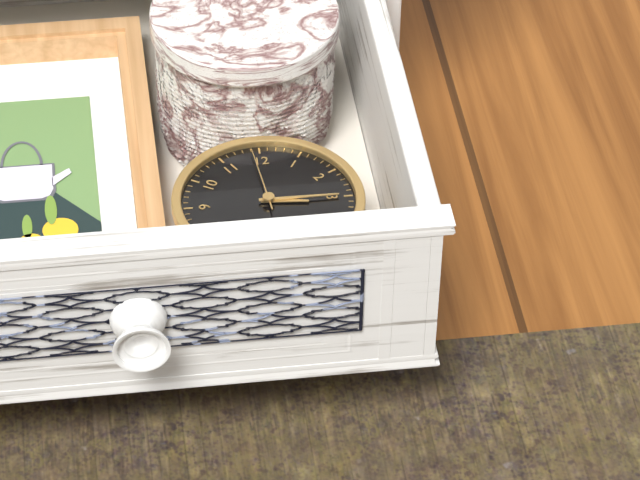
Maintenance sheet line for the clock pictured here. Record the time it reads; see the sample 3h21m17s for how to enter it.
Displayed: 3h15m59s
